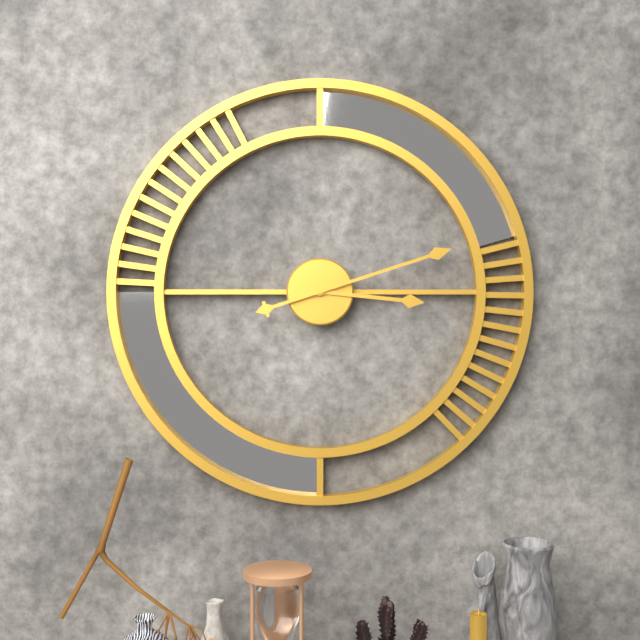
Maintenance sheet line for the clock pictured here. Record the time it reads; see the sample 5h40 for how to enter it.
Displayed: 3h12
